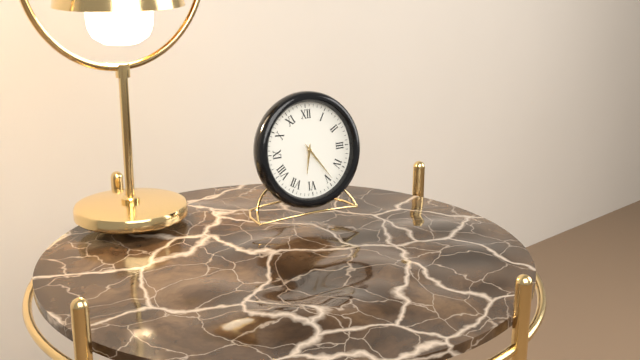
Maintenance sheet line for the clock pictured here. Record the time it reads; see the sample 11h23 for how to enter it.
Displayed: 6h24
